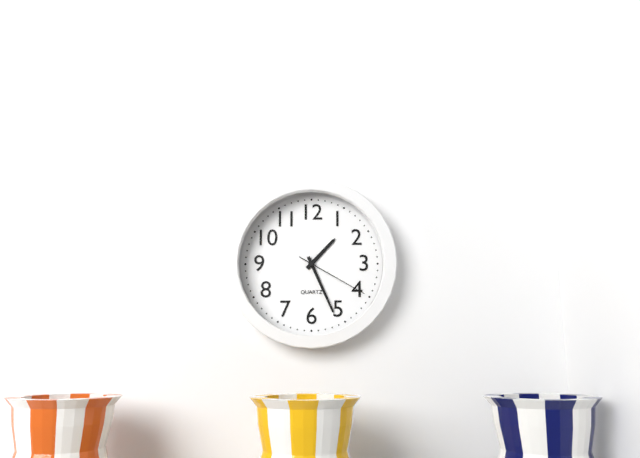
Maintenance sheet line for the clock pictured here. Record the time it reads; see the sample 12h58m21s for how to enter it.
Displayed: 1h26m20s
